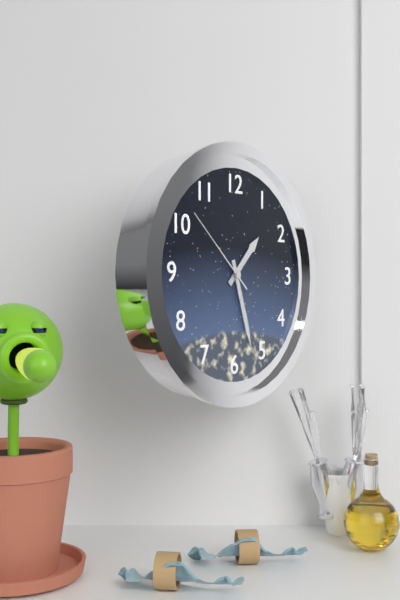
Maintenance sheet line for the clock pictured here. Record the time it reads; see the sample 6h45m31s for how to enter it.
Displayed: 1h27m52s
